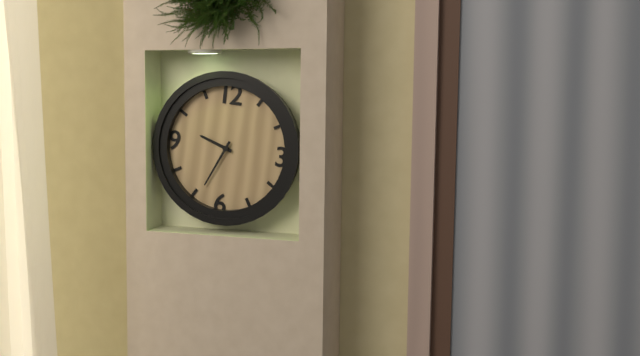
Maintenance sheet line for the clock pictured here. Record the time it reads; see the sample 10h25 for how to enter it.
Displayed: 9h34
